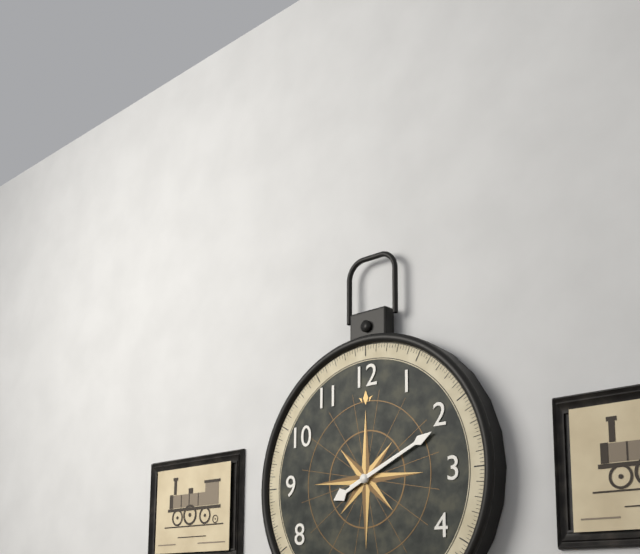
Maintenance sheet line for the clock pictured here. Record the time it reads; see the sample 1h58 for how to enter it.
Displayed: 8h11
